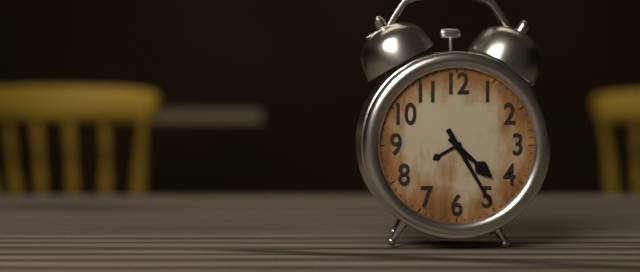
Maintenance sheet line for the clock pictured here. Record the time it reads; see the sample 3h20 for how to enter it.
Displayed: 4h25
